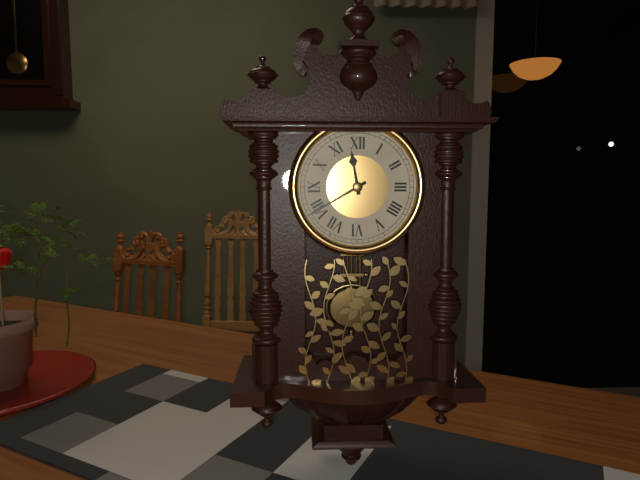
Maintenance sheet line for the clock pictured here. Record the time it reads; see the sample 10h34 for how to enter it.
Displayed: 11h40
